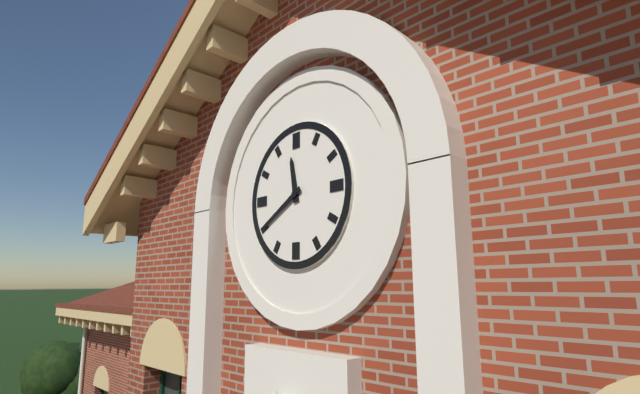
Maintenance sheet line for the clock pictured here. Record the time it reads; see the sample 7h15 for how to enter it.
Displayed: 11h40
